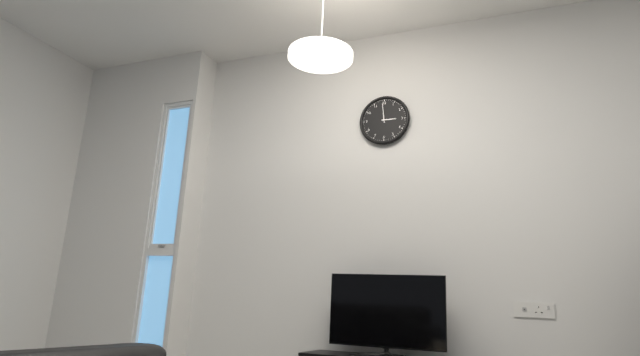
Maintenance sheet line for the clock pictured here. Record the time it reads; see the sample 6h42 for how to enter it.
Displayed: 2h59
